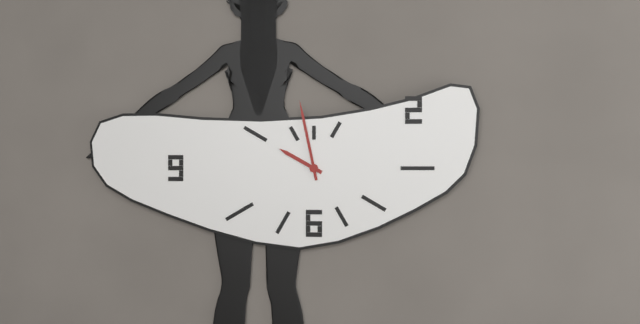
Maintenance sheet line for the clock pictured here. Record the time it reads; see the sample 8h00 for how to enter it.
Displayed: 9h58
